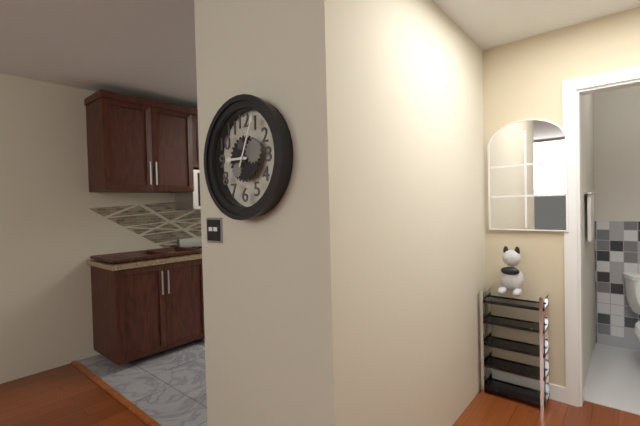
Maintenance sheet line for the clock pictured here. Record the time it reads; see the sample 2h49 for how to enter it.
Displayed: 9h04
